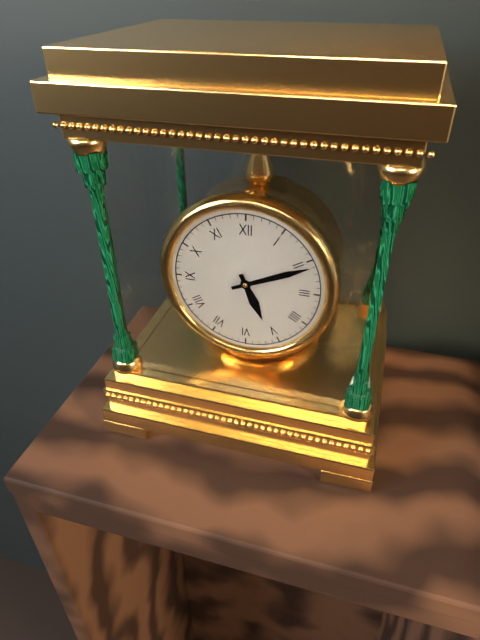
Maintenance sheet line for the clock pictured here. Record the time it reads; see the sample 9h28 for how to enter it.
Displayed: 5h11
